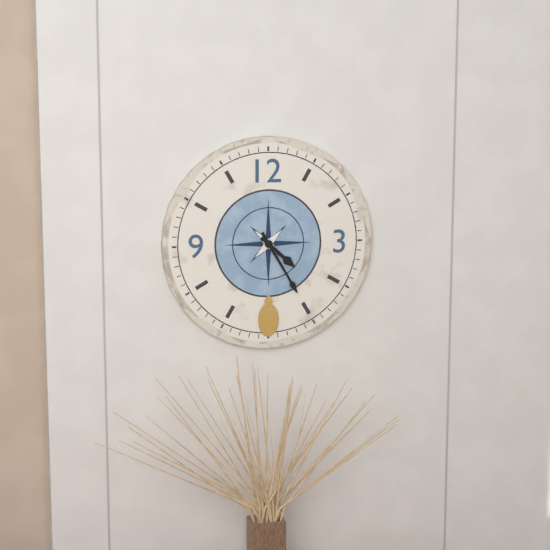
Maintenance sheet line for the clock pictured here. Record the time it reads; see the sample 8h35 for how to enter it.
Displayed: 4h25
